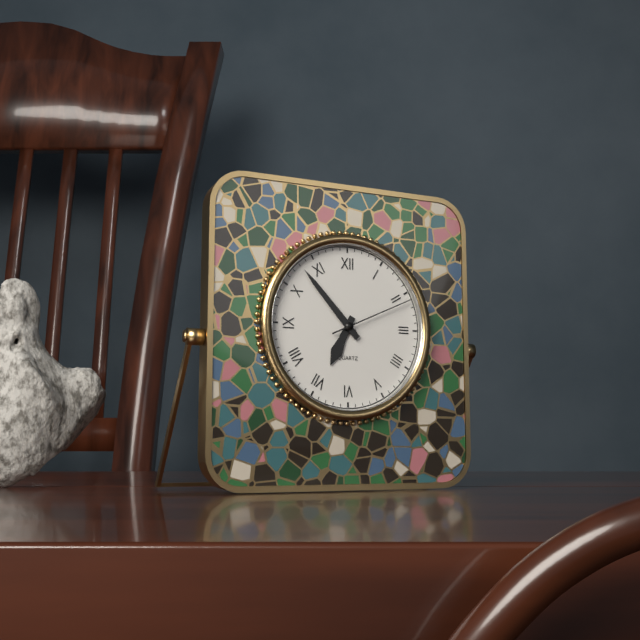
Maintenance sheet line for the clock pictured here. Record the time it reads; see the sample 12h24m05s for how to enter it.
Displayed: 6h53m11s
